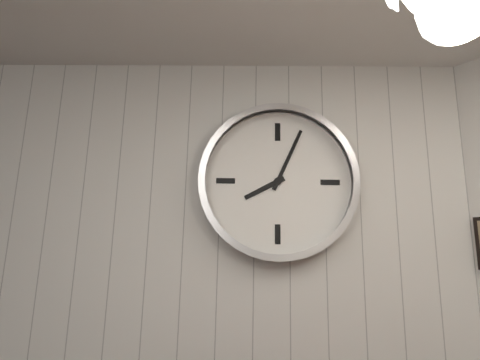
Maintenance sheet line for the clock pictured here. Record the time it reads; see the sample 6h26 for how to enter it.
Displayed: 8h04
